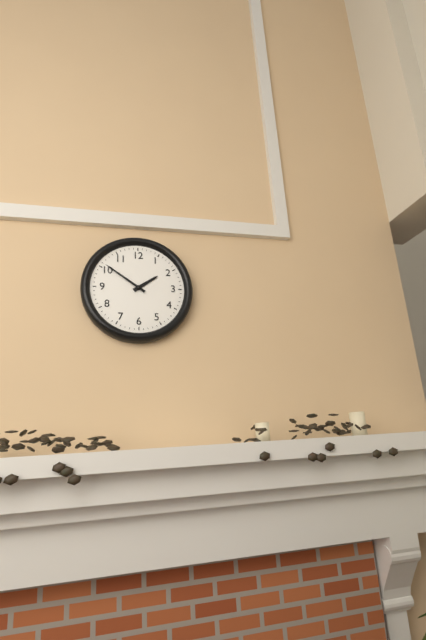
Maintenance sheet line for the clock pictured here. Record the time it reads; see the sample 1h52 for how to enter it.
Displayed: 1h51
